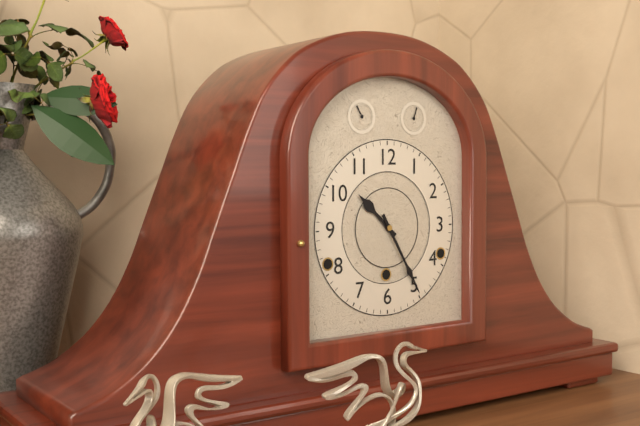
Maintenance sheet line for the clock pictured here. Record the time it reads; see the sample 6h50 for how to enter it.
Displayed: 10h25
